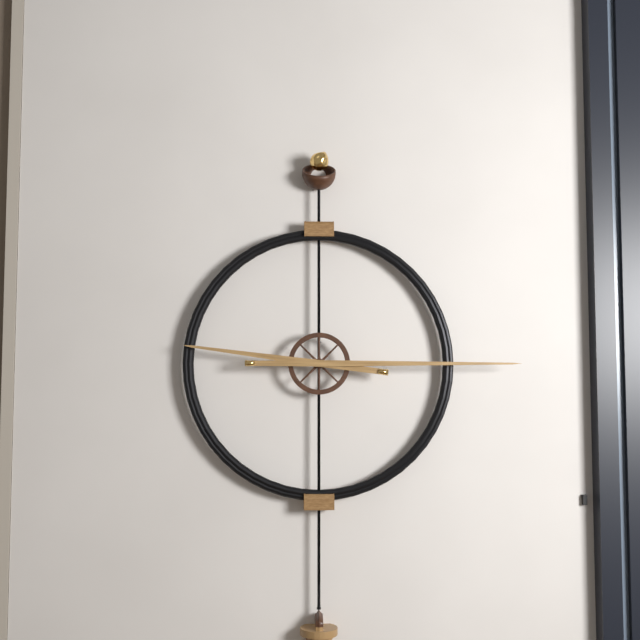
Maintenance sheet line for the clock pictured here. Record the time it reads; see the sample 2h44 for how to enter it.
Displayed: 9h15
